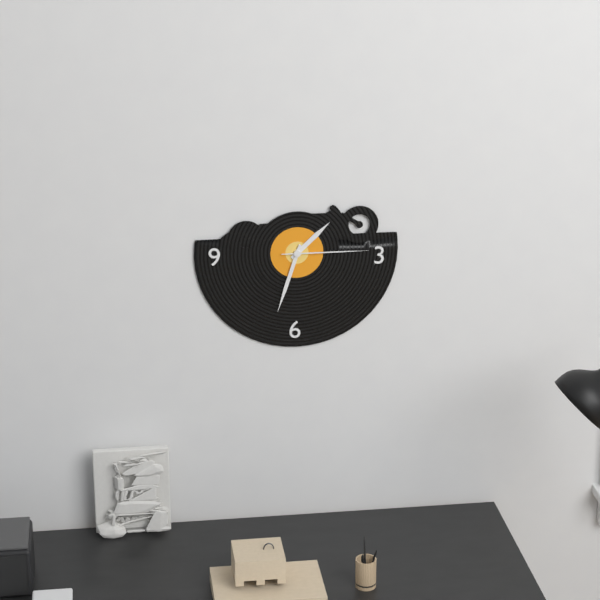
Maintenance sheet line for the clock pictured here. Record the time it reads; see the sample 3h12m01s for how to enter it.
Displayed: 1h33m15s
